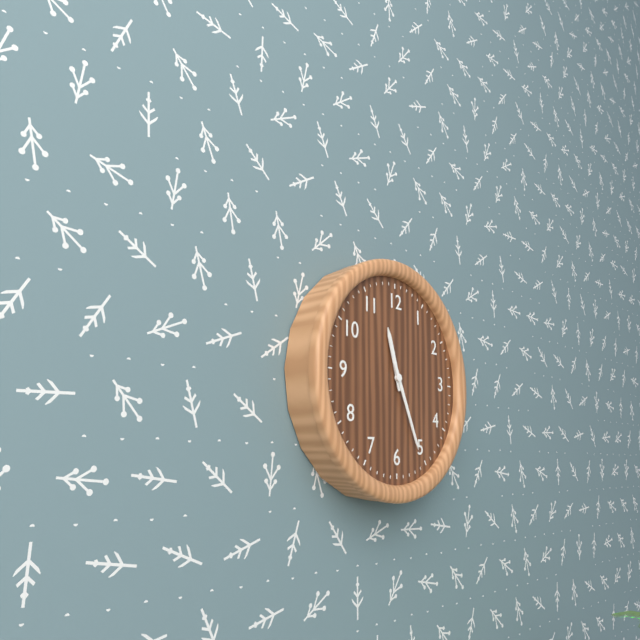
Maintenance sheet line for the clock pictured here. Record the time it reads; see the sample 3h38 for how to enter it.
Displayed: 11h26
